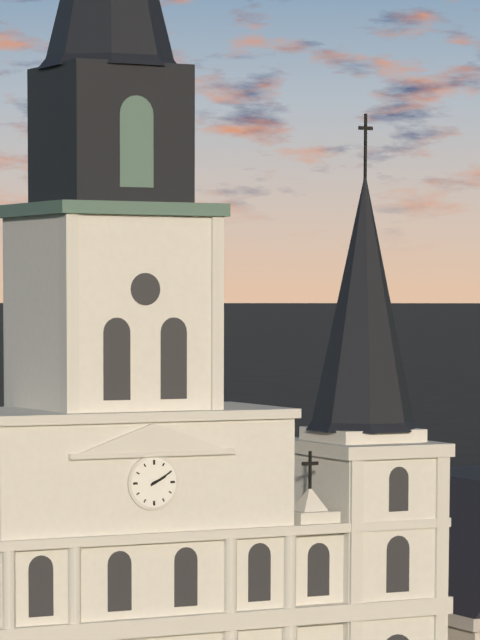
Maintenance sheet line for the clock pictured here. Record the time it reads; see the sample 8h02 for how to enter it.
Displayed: 2h10
